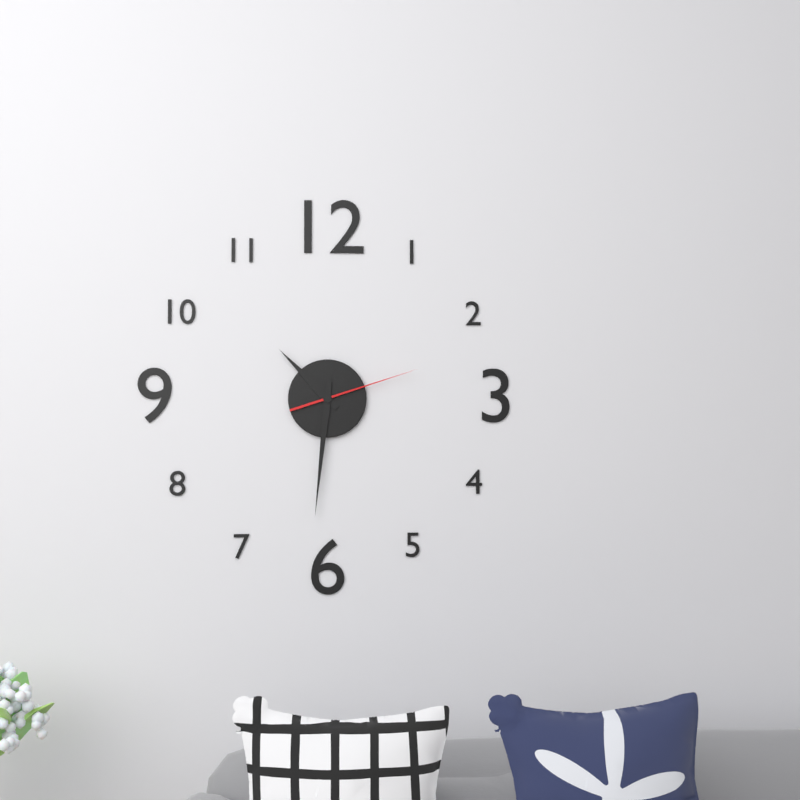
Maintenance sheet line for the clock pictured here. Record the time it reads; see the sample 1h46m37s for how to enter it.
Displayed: 10h31m12s
